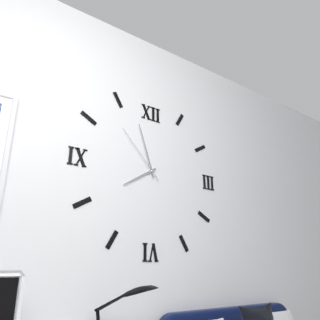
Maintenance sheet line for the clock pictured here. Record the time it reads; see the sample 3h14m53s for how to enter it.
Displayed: 7h57m53s
